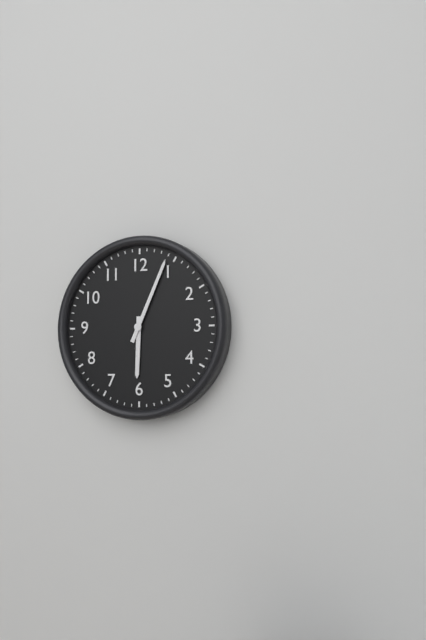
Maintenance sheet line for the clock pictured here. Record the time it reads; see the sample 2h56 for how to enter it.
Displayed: 6h04
